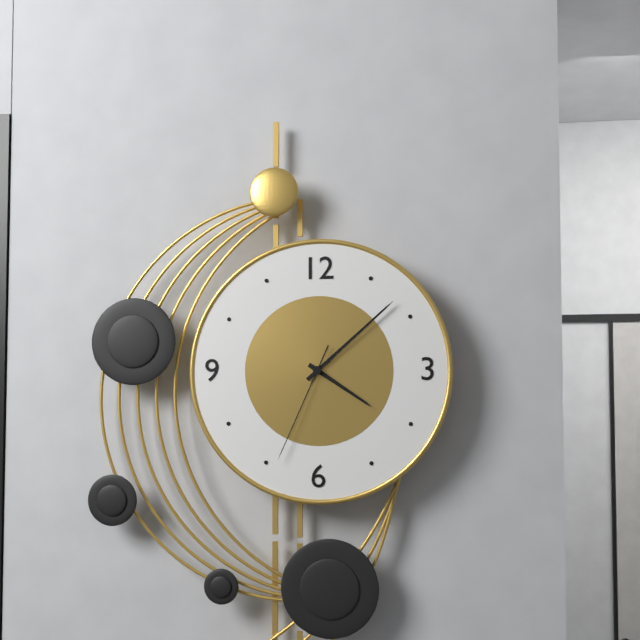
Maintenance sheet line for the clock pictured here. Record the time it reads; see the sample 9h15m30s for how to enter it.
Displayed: 4h08m34s
